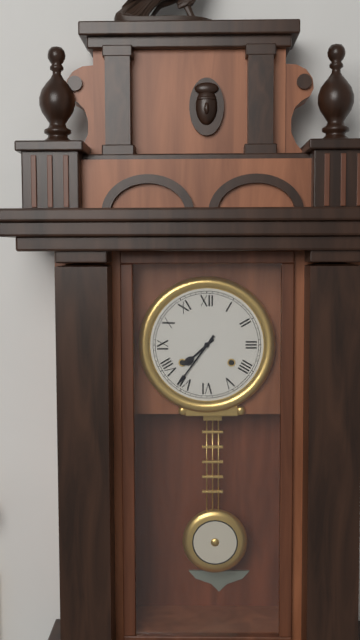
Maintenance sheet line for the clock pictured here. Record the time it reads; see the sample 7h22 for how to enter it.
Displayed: 7h36
